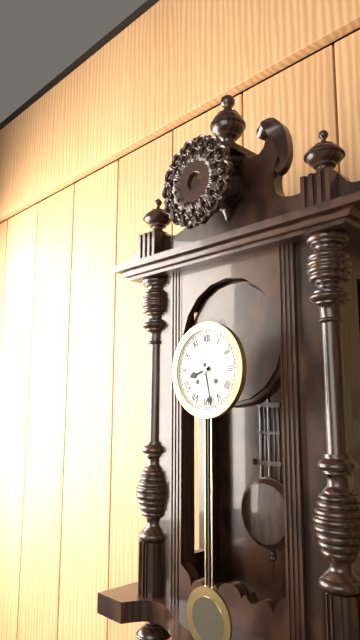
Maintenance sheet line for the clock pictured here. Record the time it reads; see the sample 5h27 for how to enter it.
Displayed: 8h28
